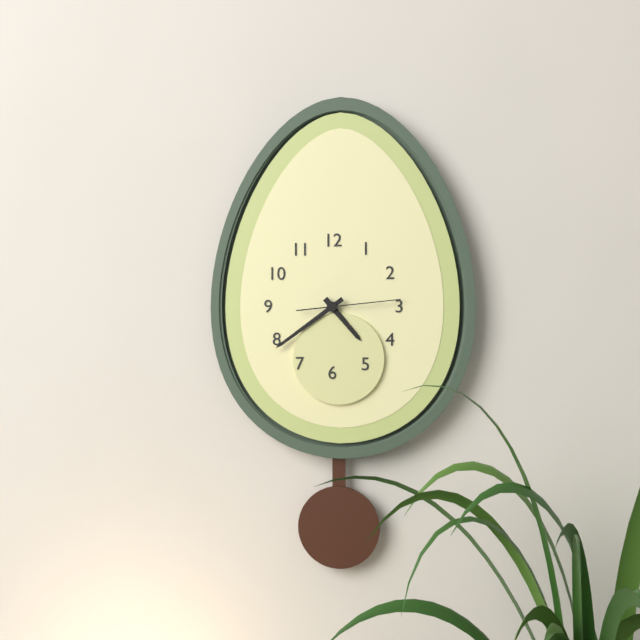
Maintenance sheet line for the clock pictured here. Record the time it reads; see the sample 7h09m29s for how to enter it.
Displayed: 4h39m14s
